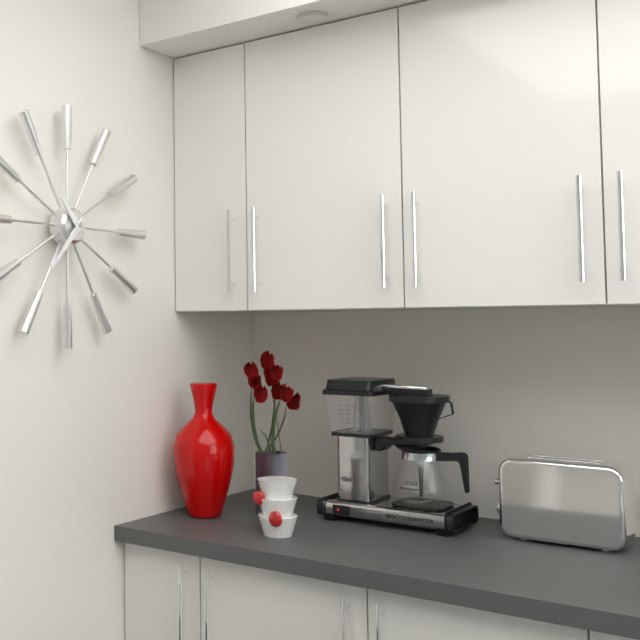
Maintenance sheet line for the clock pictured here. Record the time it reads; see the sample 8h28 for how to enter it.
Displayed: 10h37
